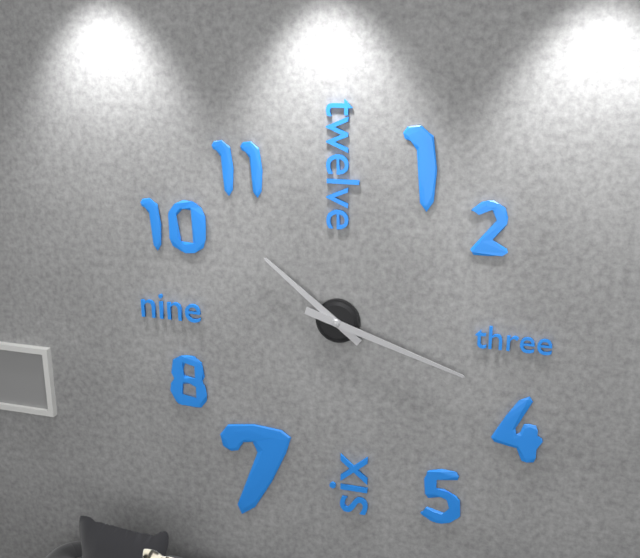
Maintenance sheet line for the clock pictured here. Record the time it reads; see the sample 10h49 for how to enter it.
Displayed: 10h18
